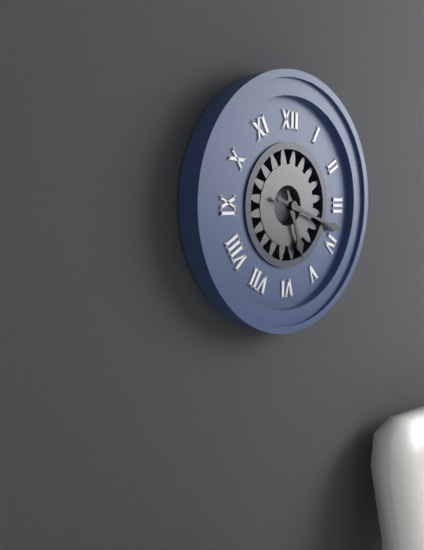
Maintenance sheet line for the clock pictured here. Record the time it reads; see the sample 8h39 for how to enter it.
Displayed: 5h18
